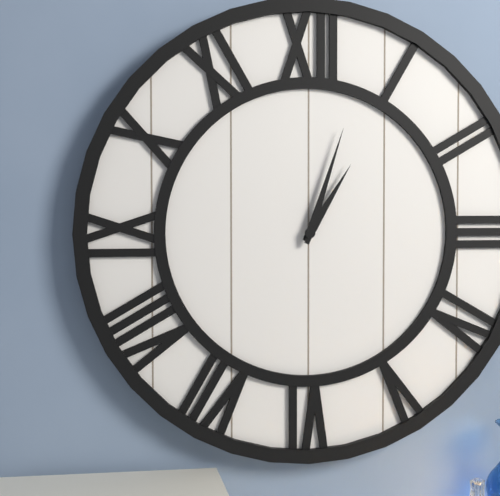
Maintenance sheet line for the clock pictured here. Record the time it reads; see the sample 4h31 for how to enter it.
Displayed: 1h03
